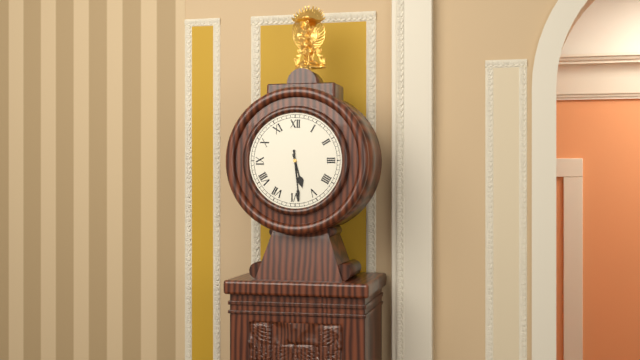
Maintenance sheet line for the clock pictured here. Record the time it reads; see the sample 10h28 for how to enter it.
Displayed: 5h29
